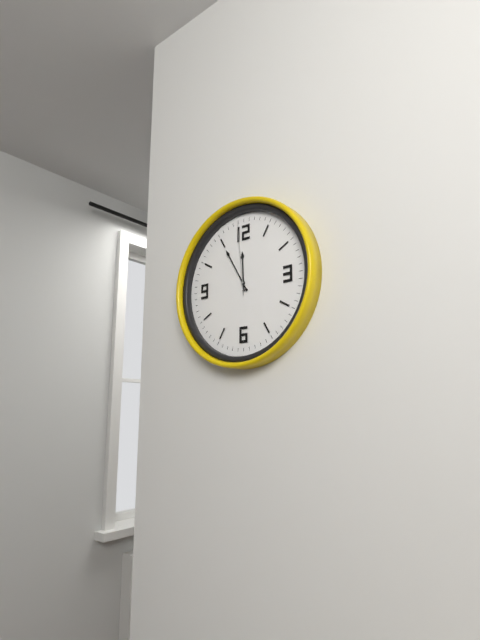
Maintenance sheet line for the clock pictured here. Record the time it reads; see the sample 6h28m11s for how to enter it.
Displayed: 11h55m59s
